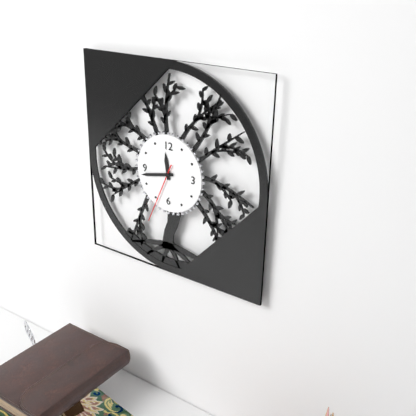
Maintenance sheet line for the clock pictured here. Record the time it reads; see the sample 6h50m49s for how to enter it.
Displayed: 11h43m34s
